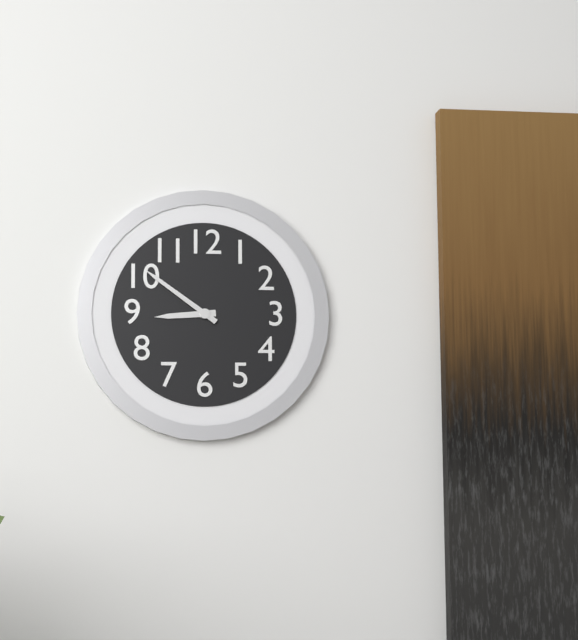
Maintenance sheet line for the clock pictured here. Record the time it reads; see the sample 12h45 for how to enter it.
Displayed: 8h51
